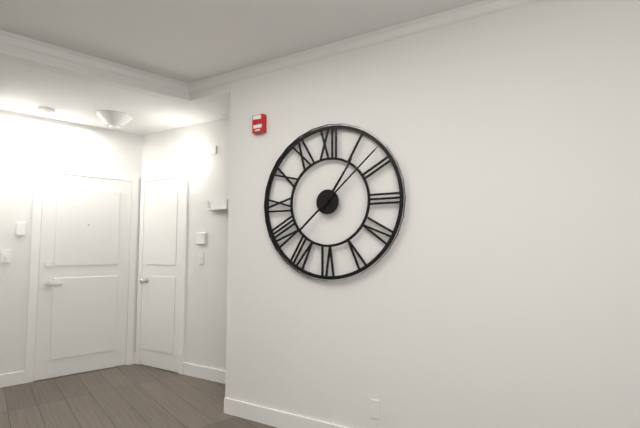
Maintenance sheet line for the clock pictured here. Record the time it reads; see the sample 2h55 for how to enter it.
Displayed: 1h08
